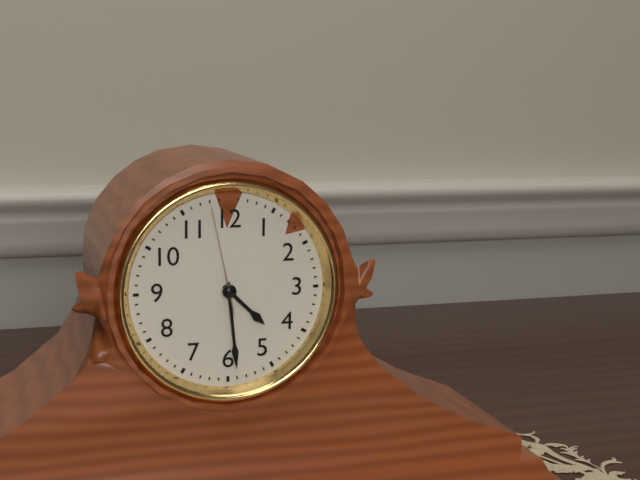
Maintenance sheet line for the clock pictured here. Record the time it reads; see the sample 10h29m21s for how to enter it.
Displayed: 4h29m58s
